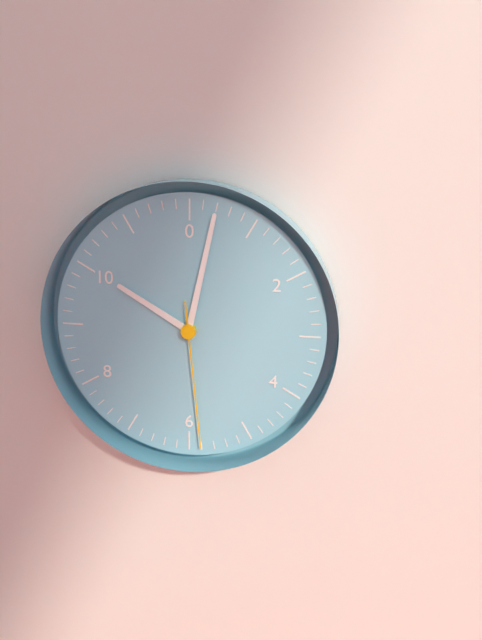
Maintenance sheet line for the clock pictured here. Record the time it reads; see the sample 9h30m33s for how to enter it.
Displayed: 10h02m29s
